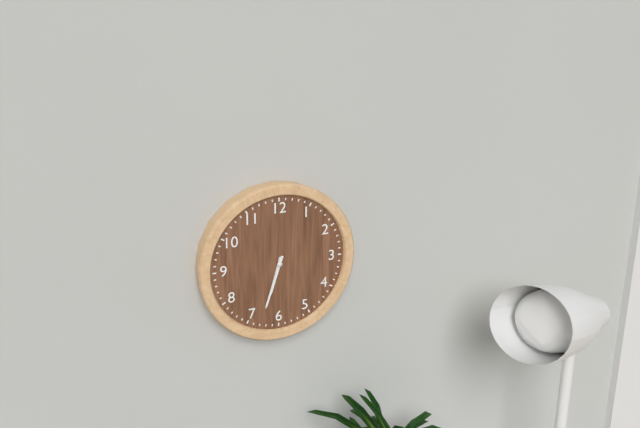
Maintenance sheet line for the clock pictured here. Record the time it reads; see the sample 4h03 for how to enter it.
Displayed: 6h33
